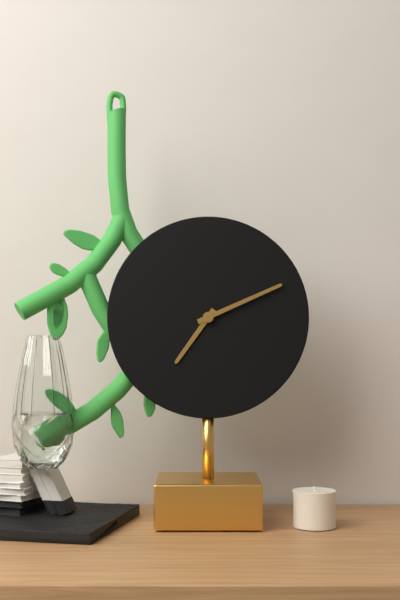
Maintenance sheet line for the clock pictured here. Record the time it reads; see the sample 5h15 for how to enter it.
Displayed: 7h11
